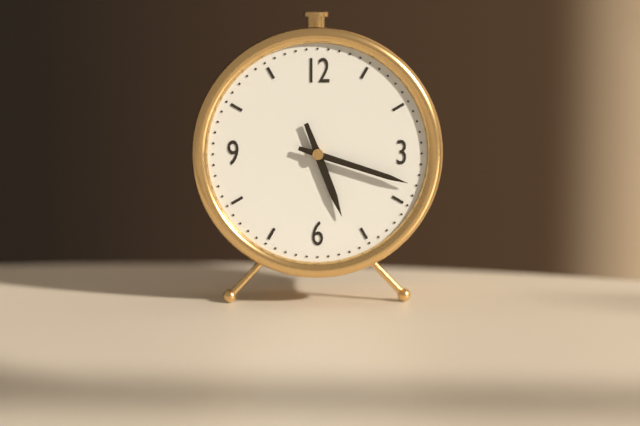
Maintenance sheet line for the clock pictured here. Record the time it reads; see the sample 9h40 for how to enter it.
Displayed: 5h18
